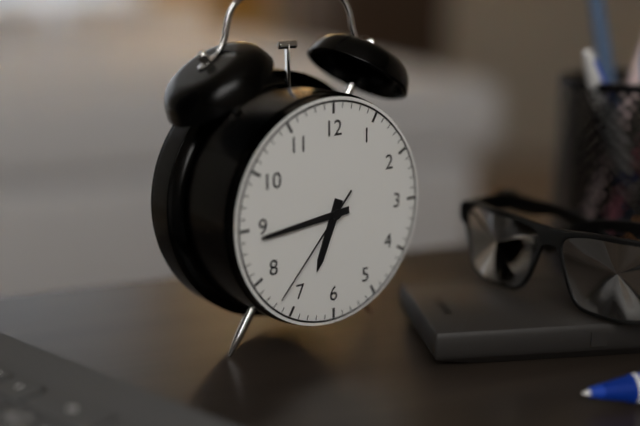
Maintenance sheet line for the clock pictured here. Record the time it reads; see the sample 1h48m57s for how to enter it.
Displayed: 6h44m37s
